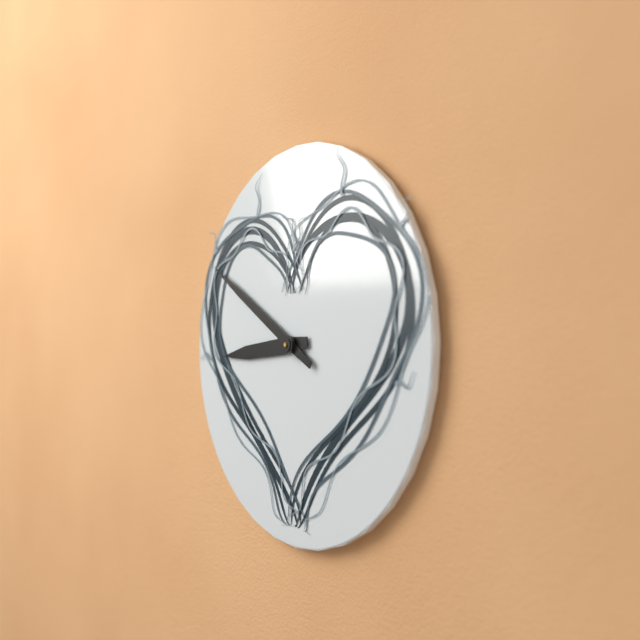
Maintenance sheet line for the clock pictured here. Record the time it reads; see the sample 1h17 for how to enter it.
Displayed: 8h50
